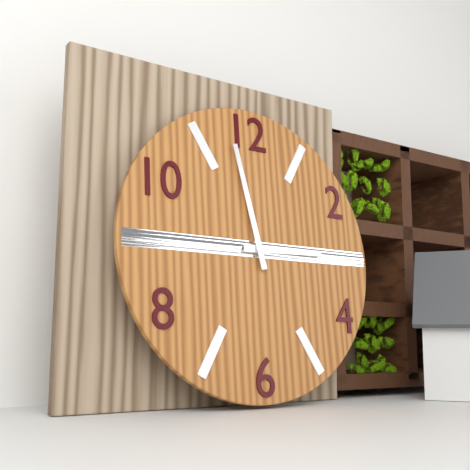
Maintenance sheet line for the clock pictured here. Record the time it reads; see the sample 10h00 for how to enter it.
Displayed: 2h58
